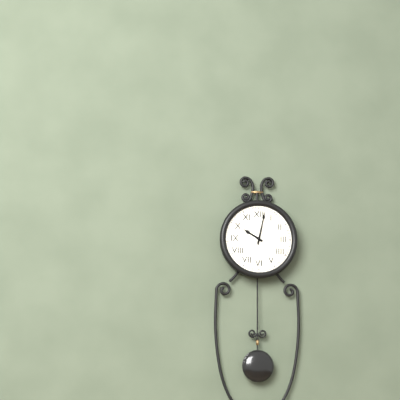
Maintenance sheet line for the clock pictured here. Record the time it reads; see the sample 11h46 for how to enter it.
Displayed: 10h02
